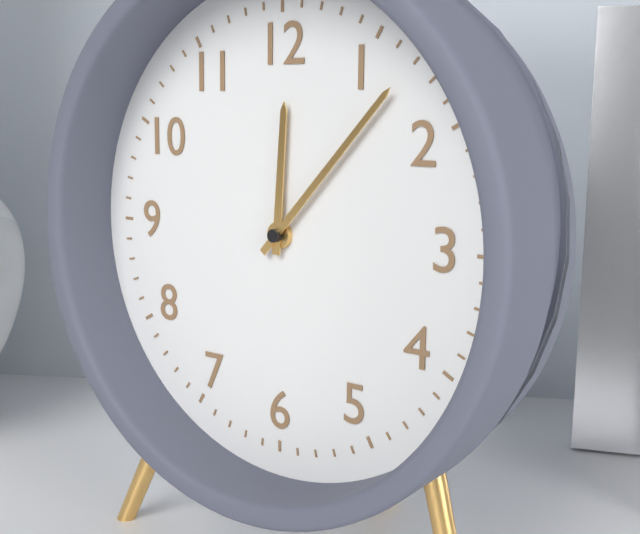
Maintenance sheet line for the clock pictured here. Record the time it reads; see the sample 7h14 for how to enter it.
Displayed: 12h07
